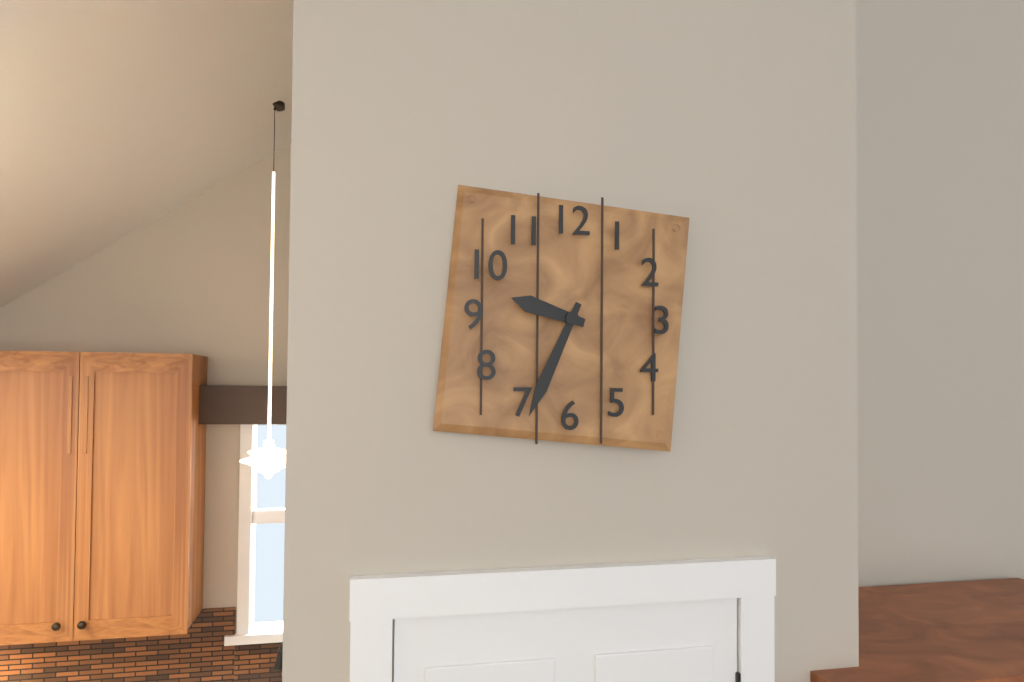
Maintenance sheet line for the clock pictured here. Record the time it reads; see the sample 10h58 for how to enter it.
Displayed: 9h34
